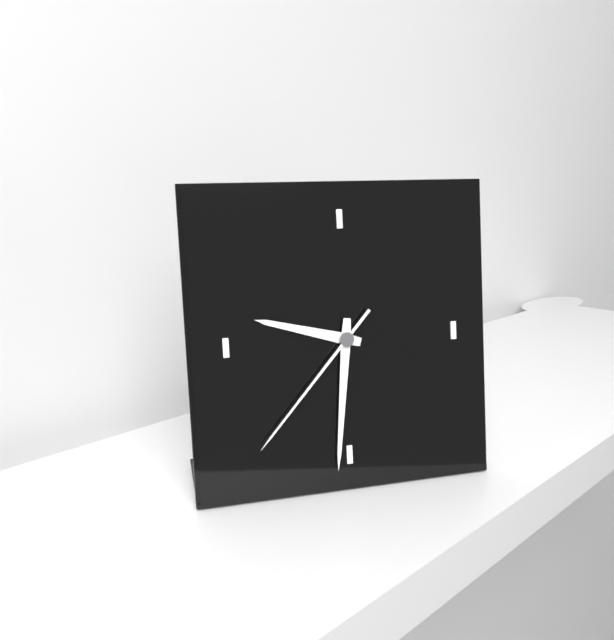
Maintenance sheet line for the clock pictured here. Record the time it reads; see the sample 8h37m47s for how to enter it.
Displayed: 9h31m37s
